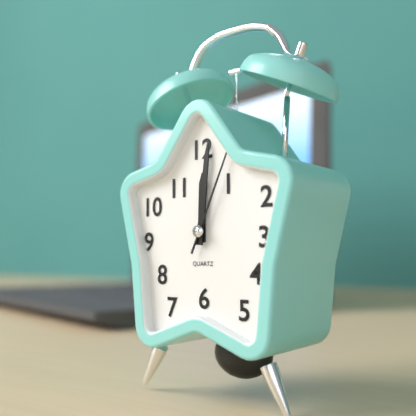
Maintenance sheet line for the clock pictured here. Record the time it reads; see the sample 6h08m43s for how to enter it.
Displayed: 12h01m04s
